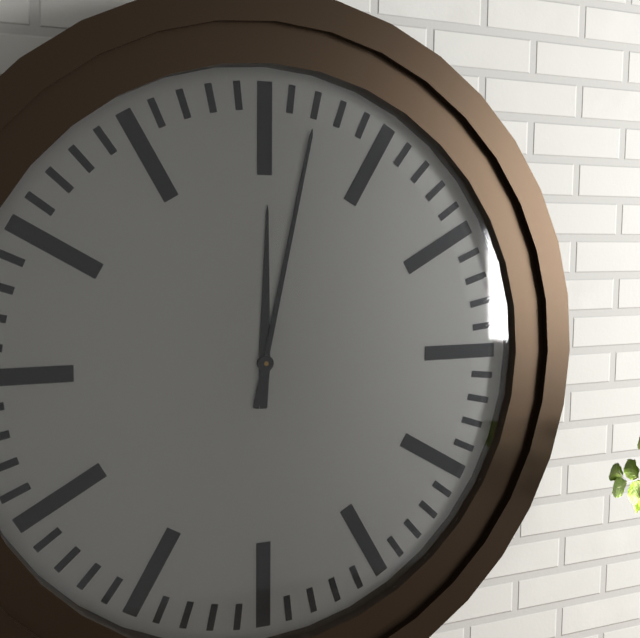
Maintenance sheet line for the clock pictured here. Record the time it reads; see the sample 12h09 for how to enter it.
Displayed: 12h02
